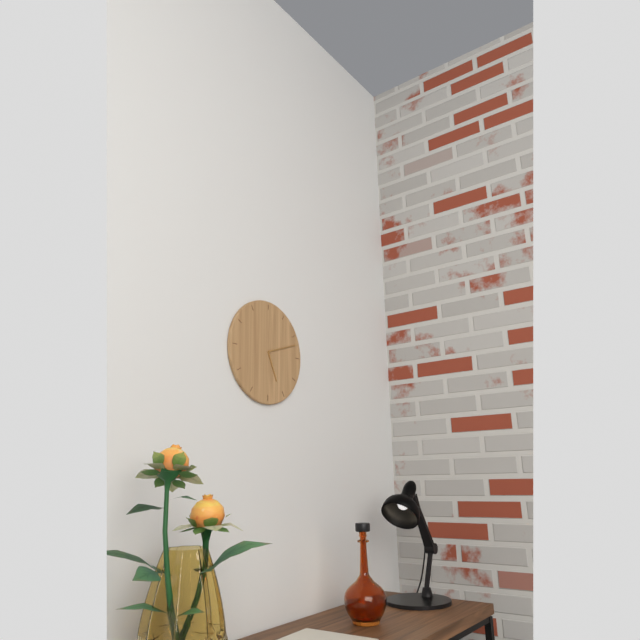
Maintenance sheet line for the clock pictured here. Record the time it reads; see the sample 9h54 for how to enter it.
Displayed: 5h12
